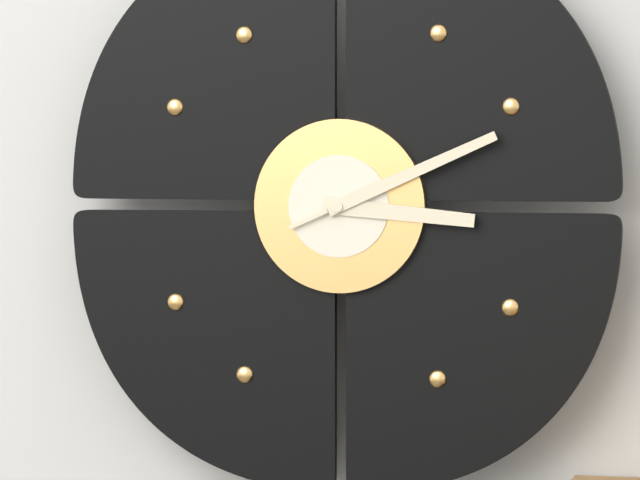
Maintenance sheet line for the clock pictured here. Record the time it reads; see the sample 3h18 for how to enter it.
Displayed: 3h11
